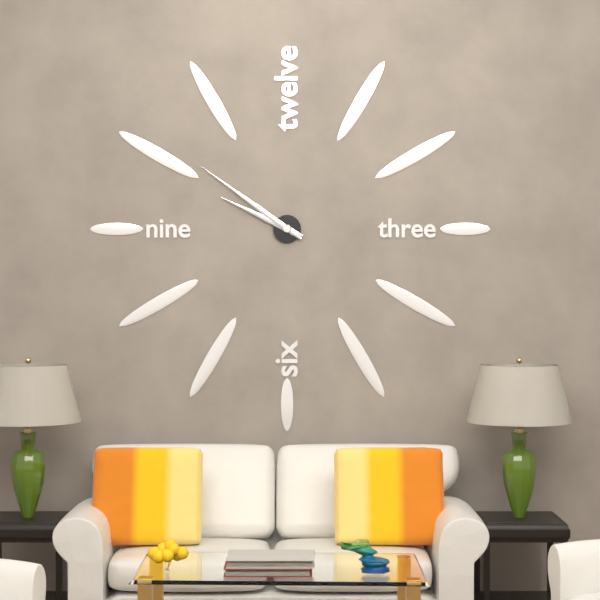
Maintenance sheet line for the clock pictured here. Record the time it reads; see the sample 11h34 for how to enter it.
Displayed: 9h51
